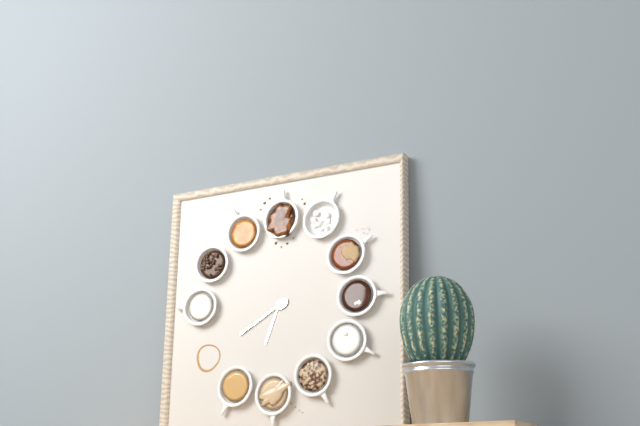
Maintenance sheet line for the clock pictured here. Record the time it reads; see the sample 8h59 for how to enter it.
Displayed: 6h40
